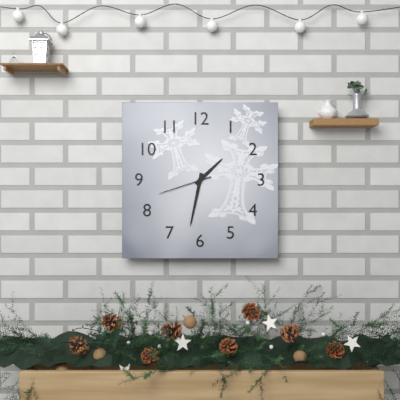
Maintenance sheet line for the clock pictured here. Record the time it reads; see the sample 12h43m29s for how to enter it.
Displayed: 1h32m42s
